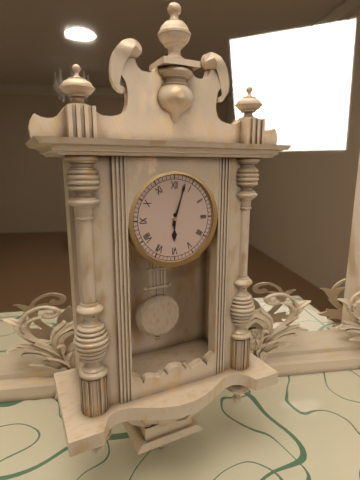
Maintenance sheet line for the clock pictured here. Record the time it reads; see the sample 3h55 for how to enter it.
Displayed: 6h03
